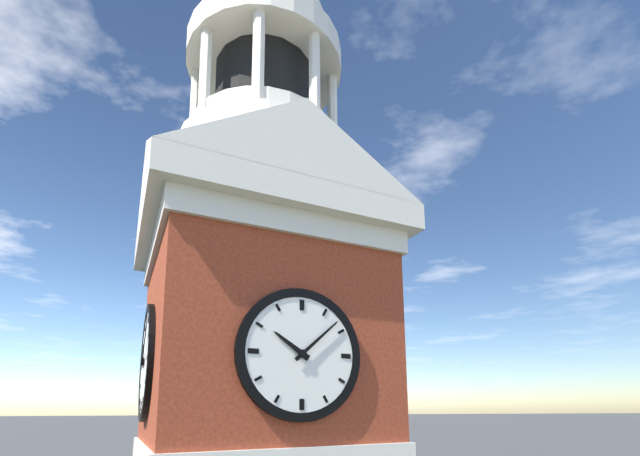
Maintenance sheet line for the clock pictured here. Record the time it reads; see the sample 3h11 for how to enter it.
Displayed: 10h08
